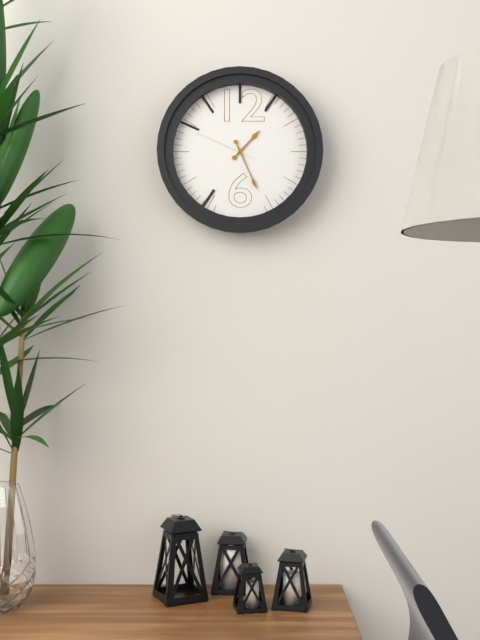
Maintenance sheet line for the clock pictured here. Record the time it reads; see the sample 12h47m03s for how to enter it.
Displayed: 1h26m49s
